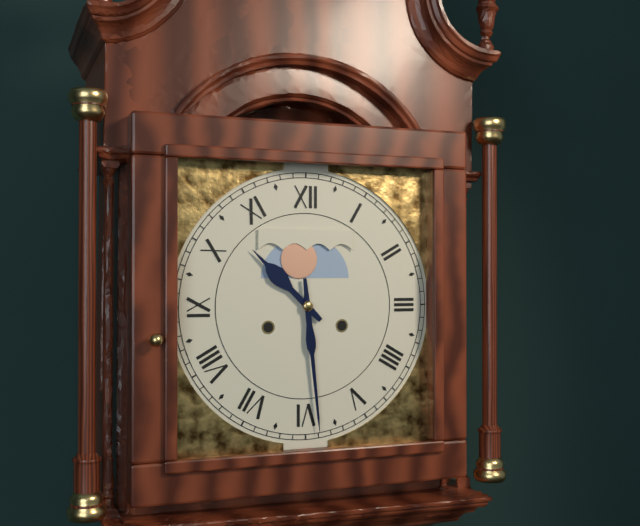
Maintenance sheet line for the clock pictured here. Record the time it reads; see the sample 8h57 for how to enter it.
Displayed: 10h29
